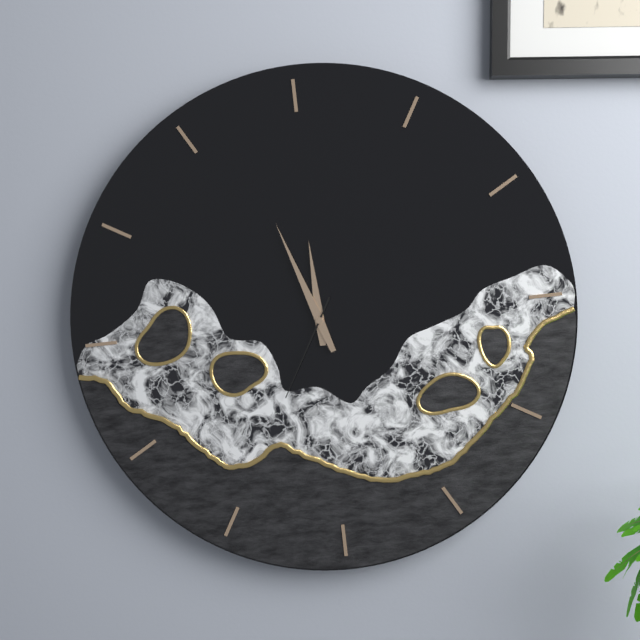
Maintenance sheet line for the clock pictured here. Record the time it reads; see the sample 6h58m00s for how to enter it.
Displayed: 11h57m35s
